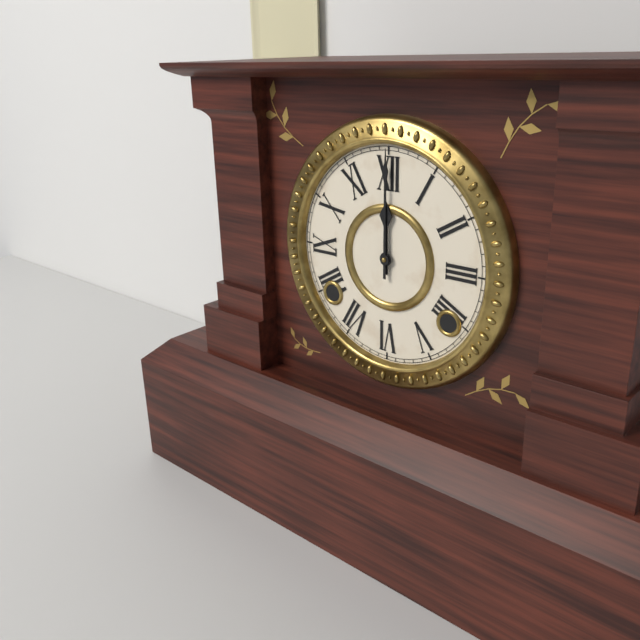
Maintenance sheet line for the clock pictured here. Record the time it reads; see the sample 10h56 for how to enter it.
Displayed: 12h00
